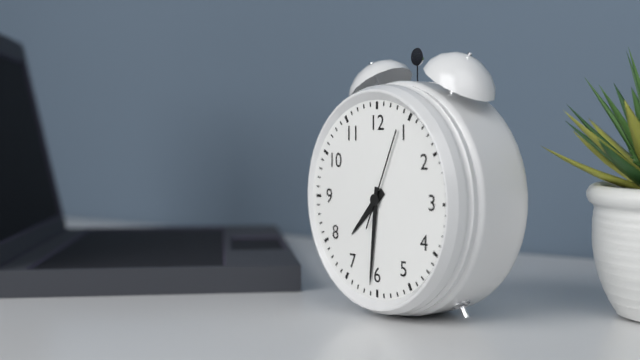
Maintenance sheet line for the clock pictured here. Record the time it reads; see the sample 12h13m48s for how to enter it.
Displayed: 7h31m04s
